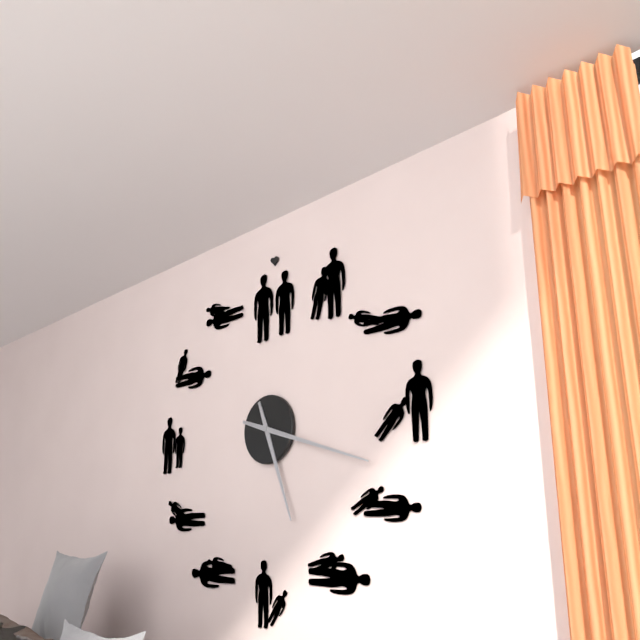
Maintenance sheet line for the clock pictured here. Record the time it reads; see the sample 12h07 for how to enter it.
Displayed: 5h18
